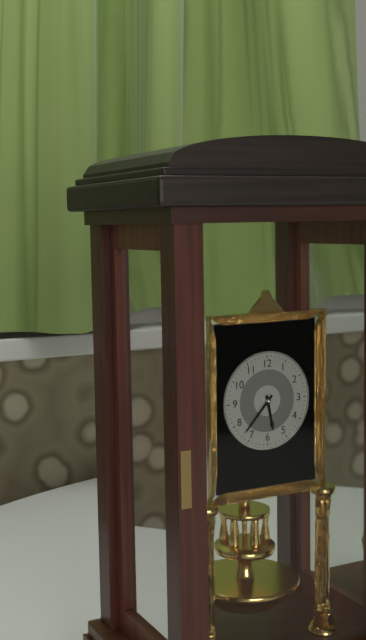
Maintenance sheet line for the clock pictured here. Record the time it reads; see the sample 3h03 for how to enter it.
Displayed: 5h37
